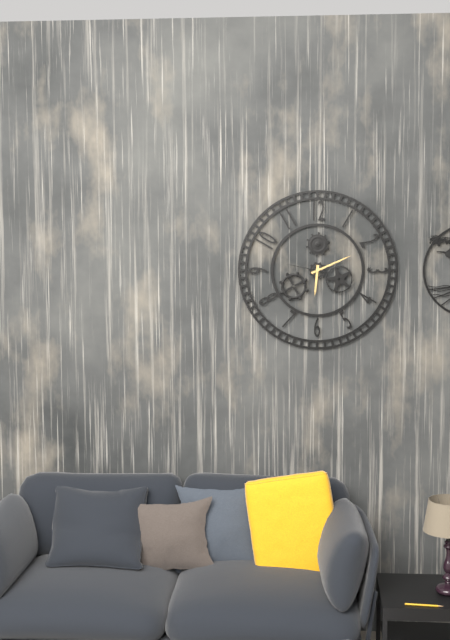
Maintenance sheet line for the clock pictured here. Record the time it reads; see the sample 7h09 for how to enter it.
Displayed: 6h11
